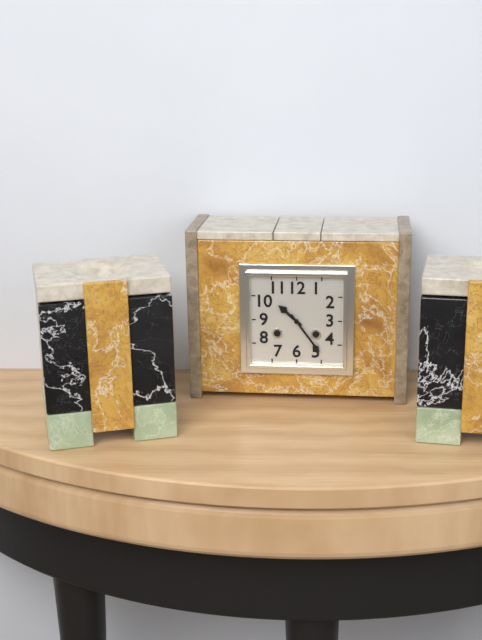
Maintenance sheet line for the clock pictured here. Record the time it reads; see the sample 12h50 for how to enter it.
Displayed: 10h24
